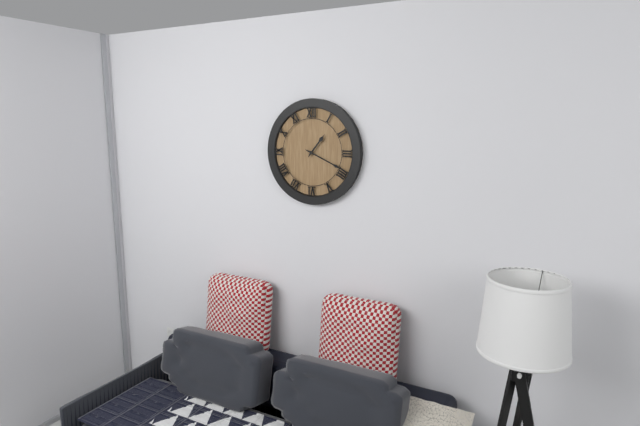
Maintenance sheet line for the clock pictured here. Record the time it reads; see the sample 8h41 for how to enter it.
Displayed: 1h19
